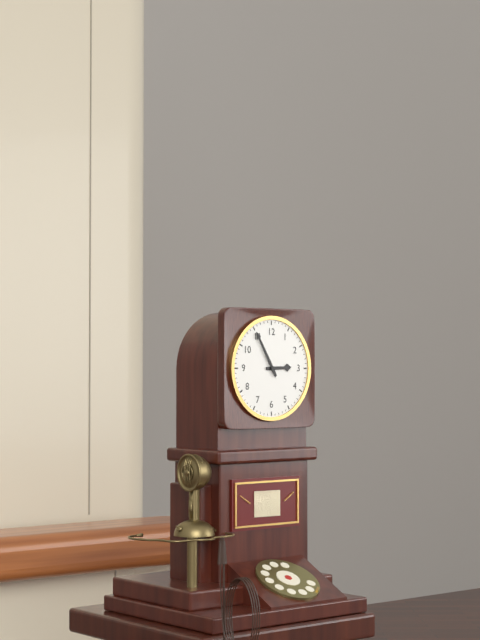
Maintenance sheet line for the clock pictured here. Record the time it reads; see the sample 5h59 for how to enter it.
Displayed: 2h55
